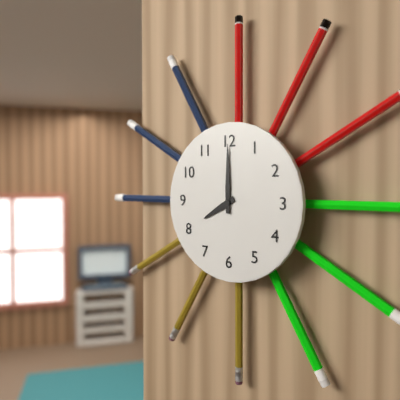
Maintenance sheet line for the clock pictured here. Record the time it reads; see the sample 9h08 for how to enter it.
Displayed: 8h00
